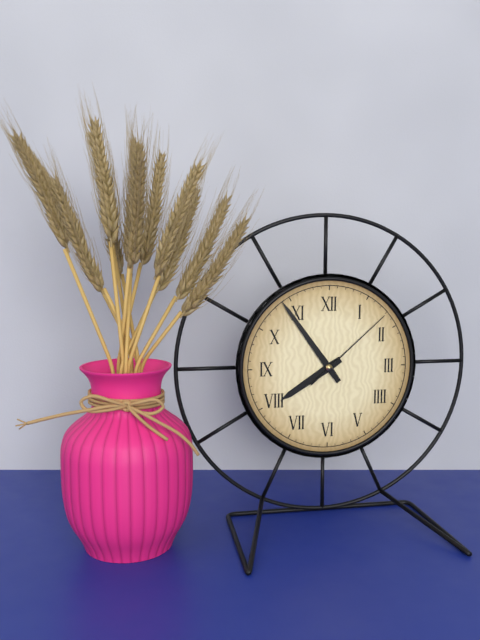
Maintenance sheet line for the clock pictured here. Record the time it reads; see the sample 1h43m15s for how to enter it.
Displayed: 7h54m08s
